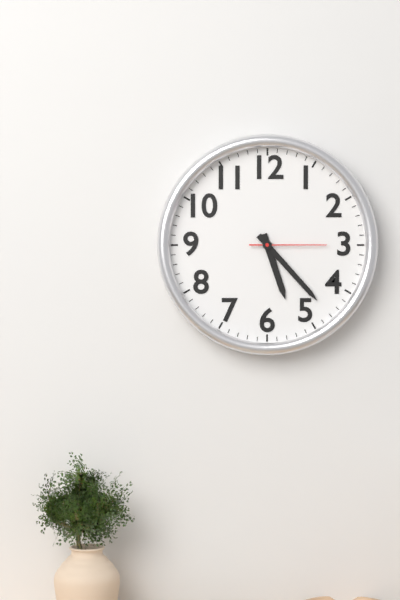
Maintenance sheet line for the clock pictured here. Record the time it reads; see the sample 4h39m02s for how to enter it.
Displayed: 5h23m15s
